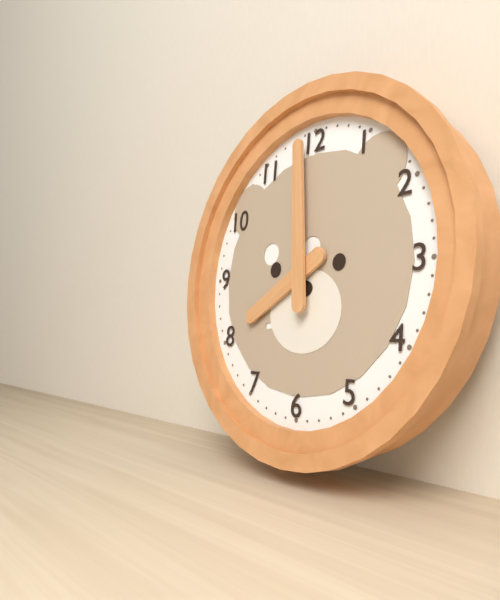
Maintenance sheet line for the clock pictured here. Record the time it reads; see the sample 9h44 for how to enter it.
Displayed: 7h59
